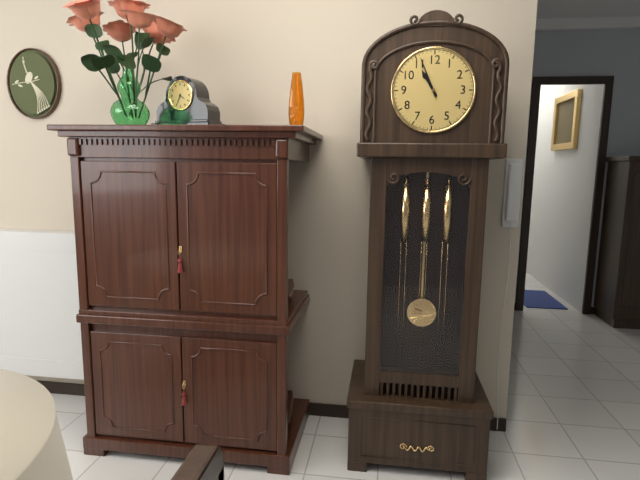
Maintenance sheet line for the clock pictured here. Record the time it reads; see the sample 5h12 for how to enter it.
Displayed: 10h56
